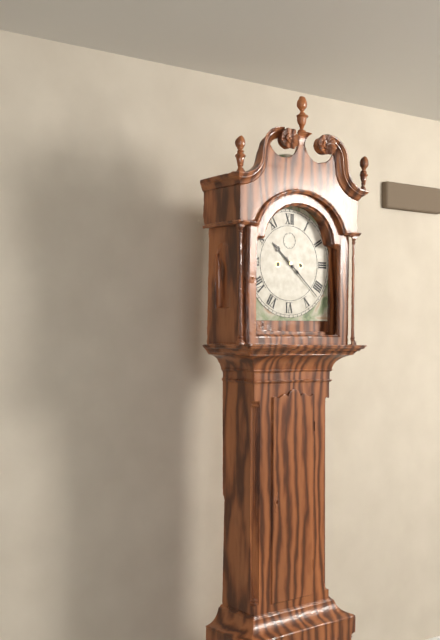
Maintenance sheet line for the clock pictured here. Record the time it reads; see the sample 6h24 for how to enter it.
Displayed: 10h22
